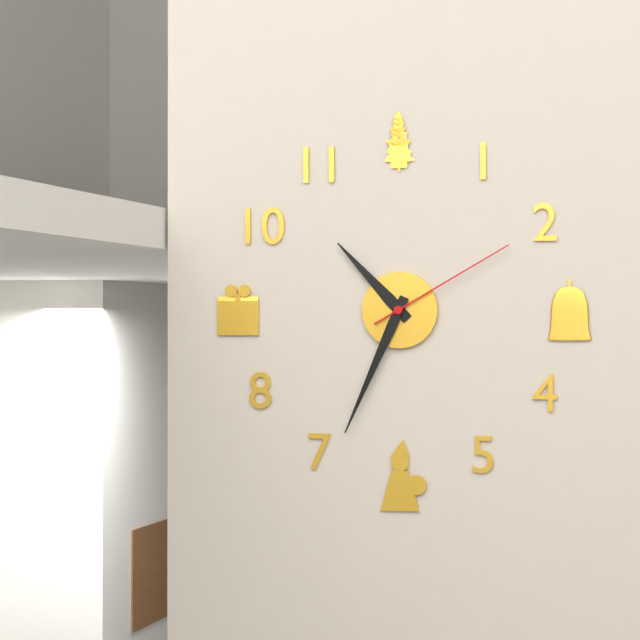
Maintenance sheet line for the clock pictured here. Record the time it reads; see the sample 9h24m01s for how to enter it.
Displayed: 10h34m10s
